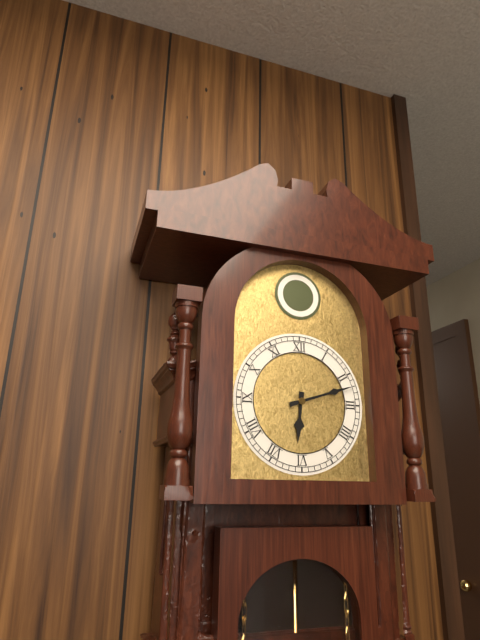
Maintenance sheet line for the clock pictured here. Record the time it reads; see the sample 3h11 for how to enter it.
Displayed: 6h12
